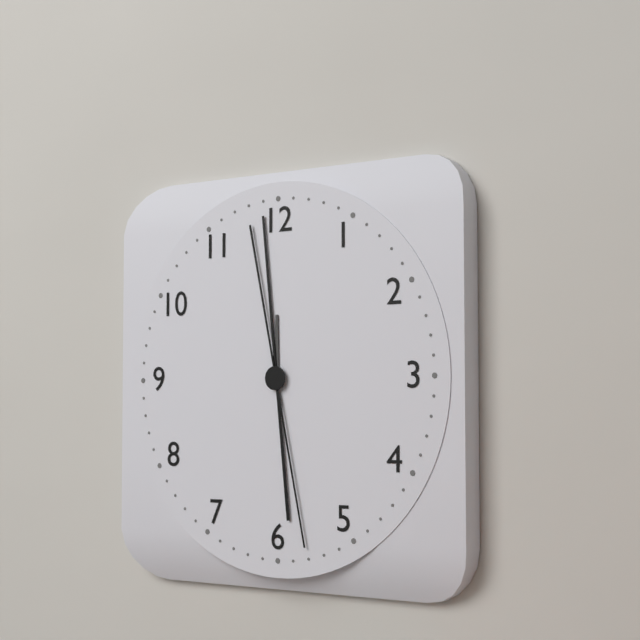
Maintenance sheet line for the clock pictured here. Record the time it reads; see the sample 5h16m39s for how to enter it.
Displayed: 11h59m28s
